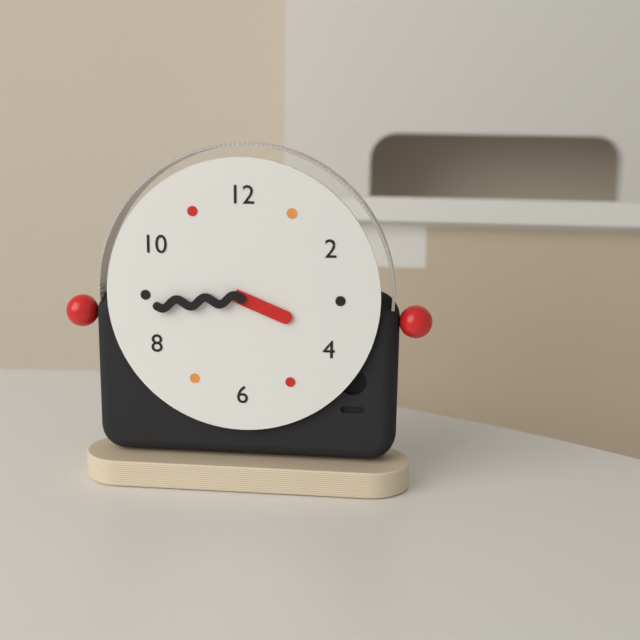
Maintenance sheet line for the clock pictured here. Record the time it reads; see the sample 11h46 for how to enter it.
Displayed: 3h44
